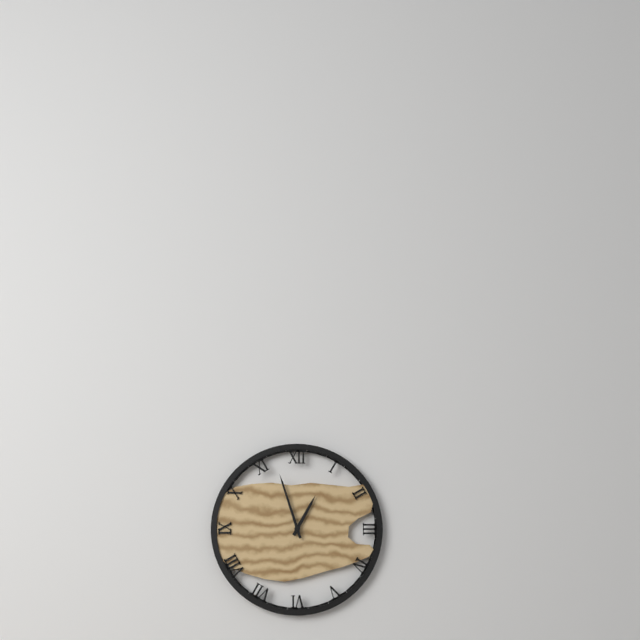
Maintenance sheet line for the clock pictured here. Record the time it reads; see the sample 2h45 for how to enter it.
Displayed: 12h57
